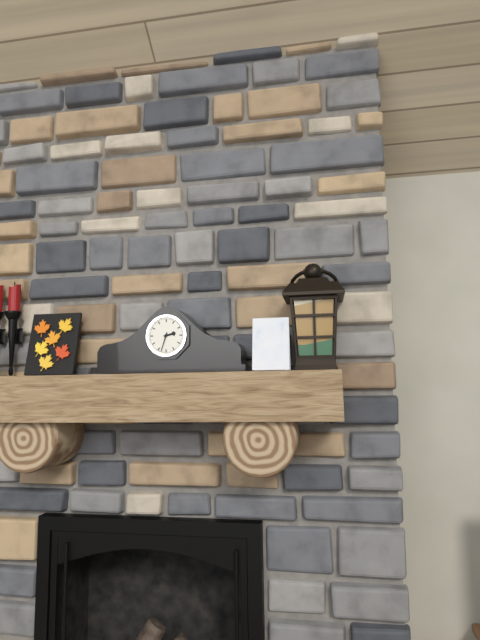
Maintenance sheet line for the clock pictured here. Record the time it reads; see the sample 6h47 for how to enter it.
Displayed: 2h33
